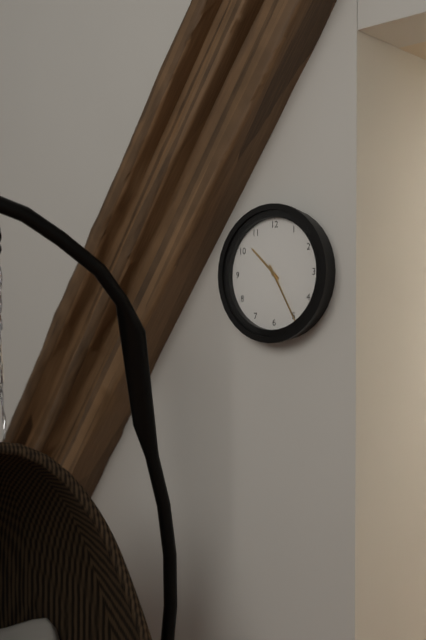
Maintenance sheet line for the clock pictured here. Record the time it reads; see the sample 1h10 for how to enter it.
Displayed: 10h25
